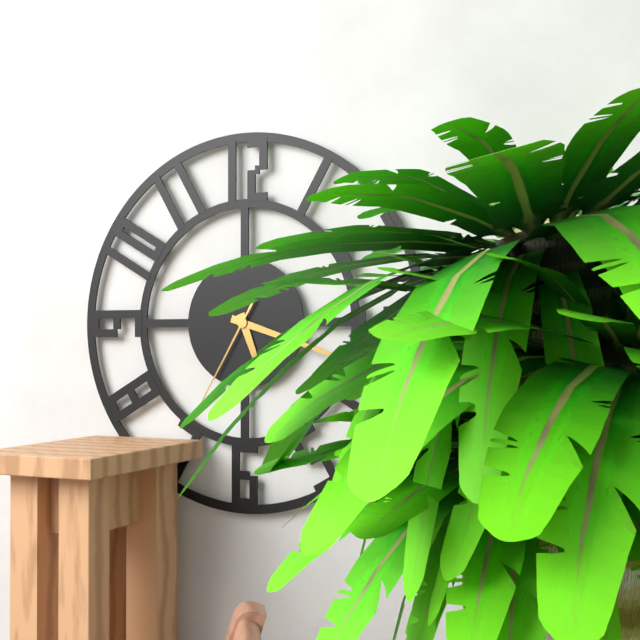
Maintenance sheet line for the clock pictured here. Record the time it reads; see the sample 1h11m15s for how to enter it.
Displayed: 5h18m35s
